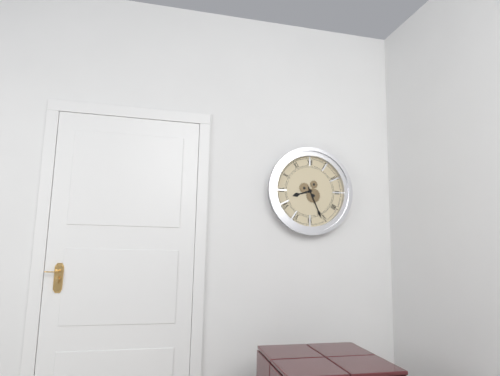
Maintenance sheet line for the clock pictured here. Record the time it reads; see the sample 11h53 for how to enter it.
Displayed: 8h26
